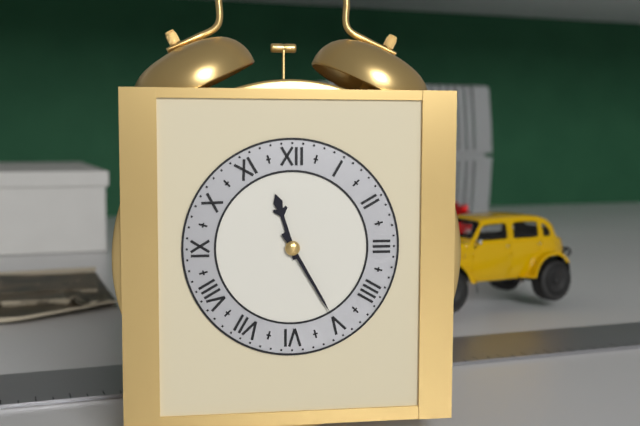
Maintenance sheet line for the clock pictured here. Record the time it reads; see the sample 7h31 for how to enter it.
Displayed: 11h25
